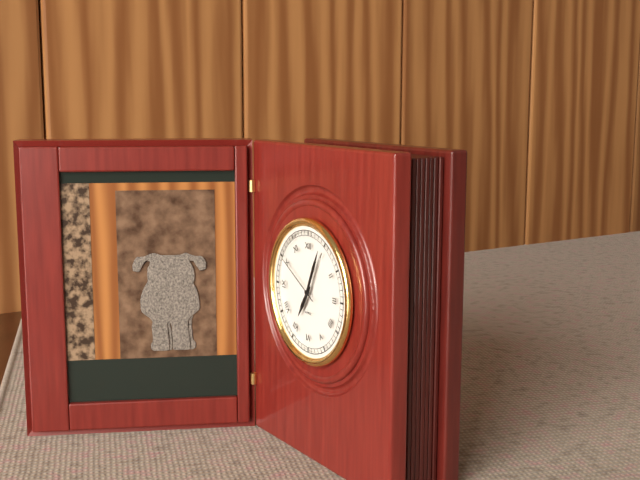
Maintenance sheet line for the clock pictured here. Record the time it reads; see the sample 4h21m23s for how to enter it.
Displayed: 7h04m50s
